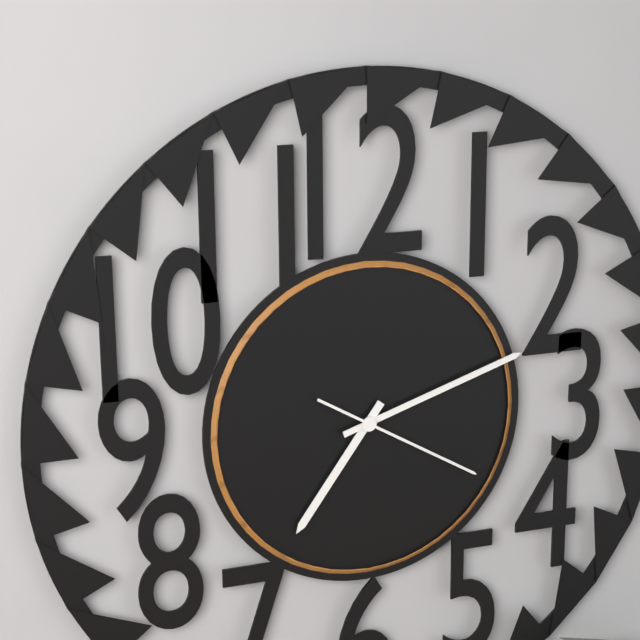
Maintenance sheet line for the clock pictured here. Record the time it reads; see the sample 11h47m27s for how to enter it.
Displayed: 7h12m20s
